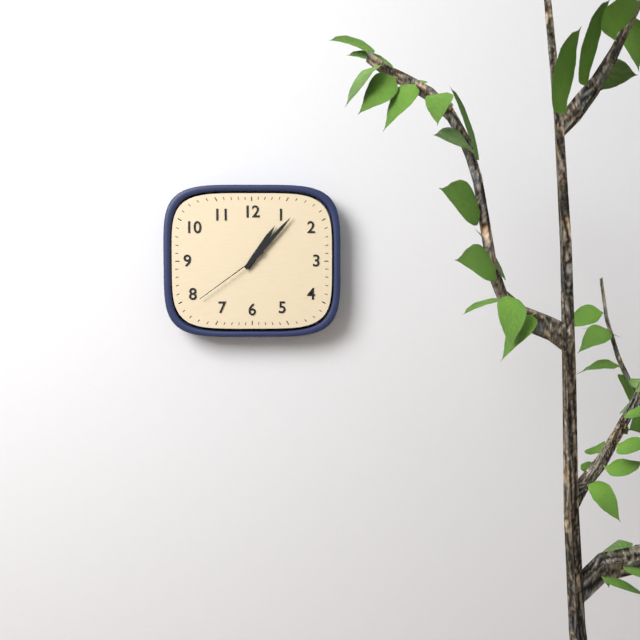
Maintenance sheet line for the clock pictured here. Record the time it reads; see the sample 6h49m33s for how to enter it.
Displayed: 1h07m39s
